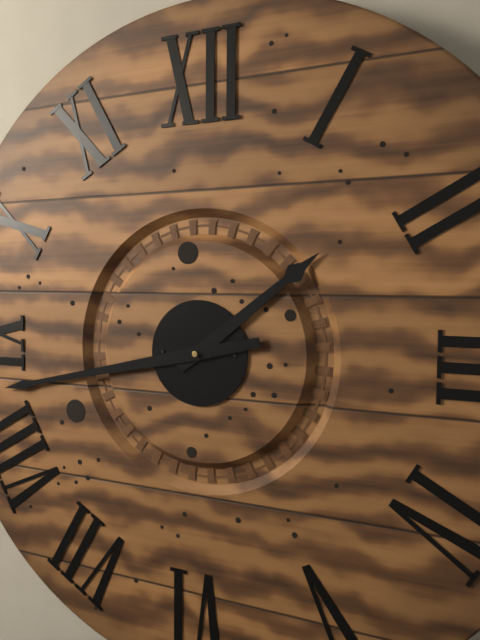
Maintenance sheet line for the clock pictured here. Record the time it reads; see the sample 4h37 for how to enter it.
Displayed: 1h43
